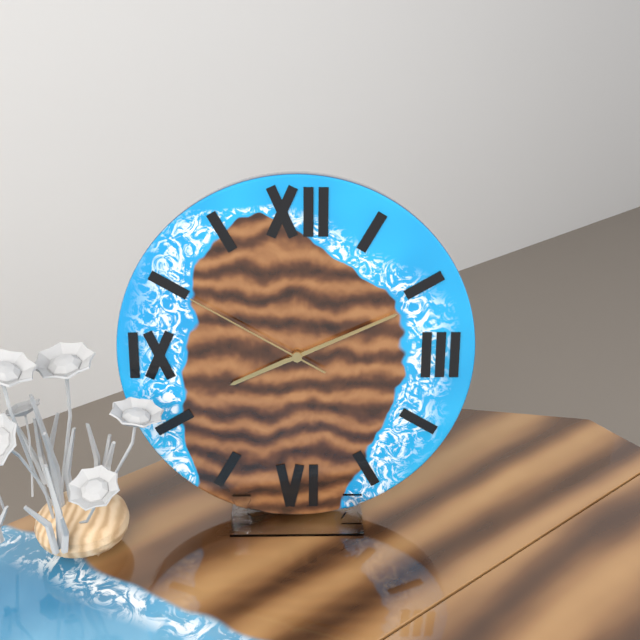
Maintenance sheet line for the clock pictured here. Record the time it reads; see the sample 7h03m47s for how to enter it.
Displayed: 8h11m50s
